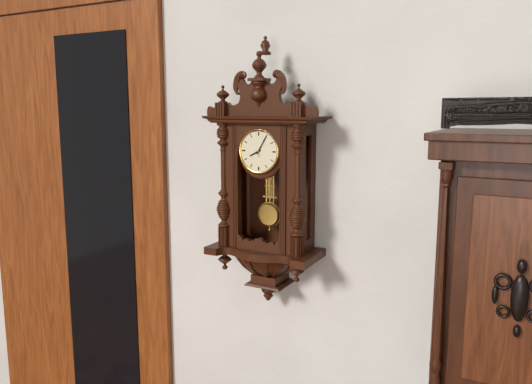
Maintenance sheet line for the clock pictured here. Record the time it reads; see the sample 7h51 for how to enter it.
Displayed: 8h05
